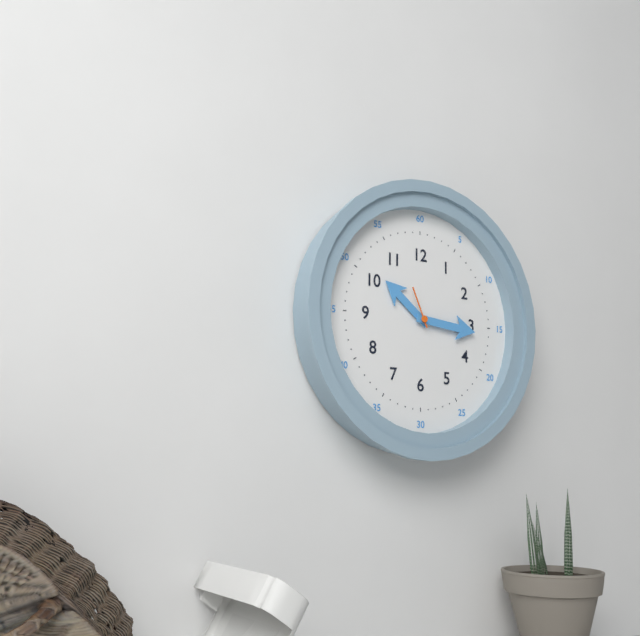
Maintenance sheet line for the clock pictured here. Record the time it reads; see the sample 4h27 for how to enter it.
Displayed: 10h16
